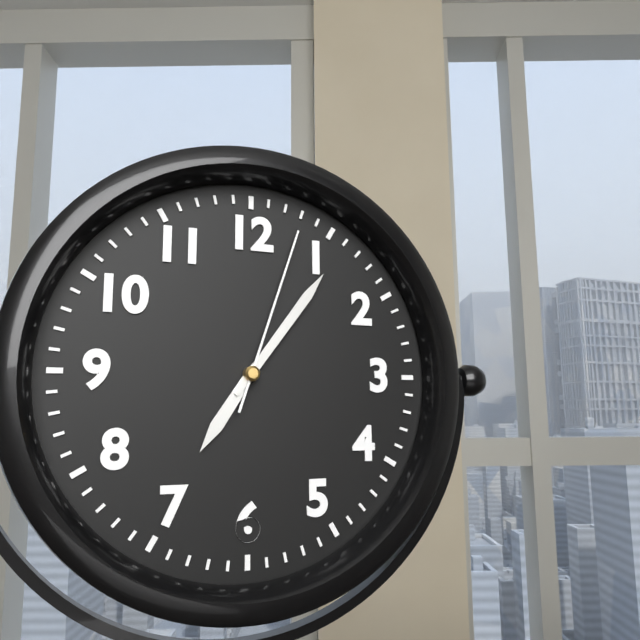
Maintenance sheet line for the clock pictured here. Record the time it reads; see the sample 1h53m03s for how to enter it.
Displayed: 7h06m03s
